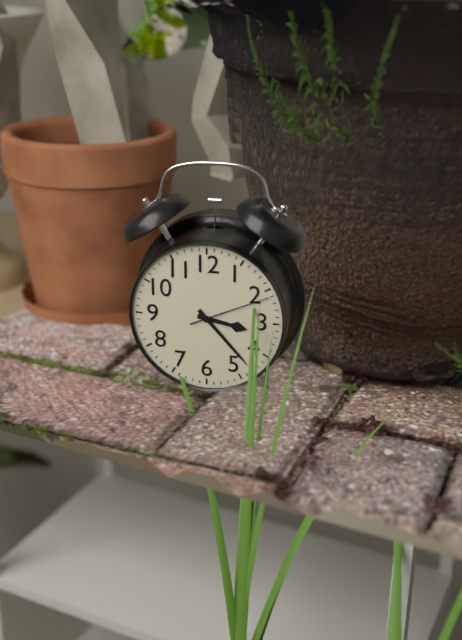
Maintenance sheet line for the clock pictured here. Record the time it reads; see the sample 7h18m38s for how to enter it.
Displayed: 3h23m11s
